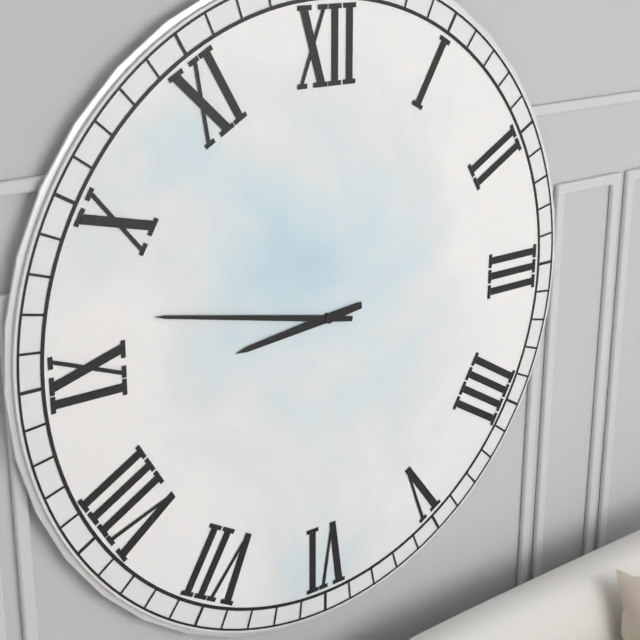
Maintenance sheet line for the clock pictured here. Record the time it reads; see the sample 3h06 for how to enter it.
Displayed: 8h47
